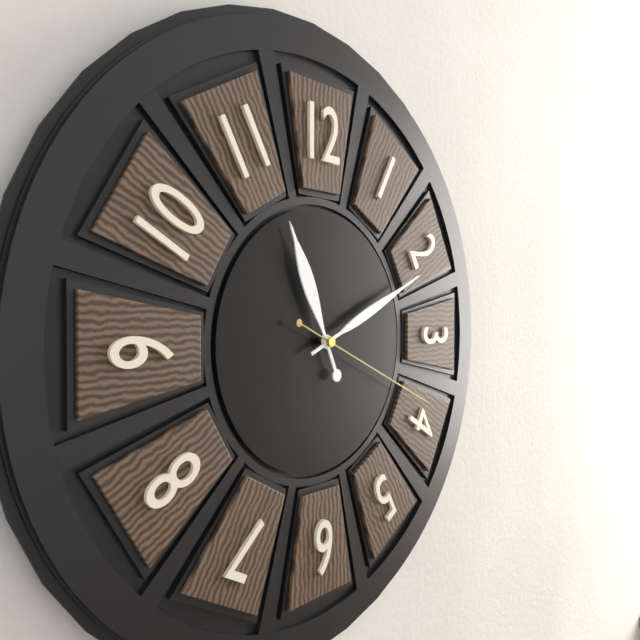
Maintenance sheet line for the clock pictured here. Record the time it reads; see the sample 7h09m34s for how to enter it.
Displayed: 11h11m19s
